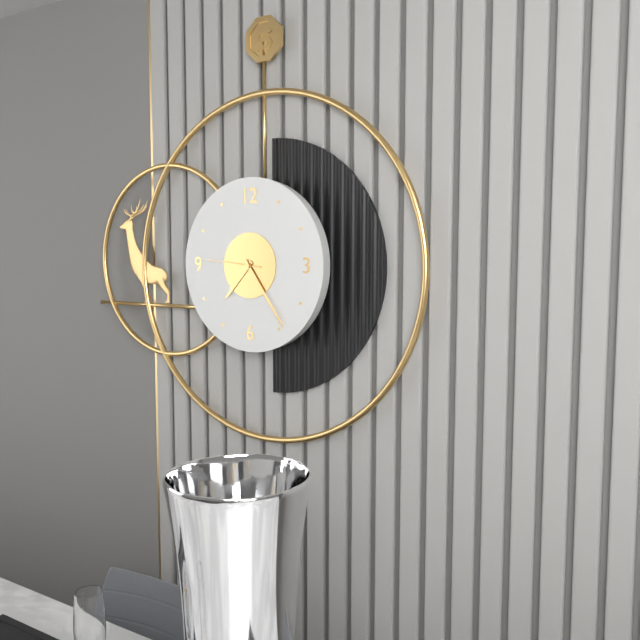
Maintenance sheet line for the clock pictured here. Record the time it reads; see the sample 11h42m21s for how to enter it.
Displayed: 7h24m46s
